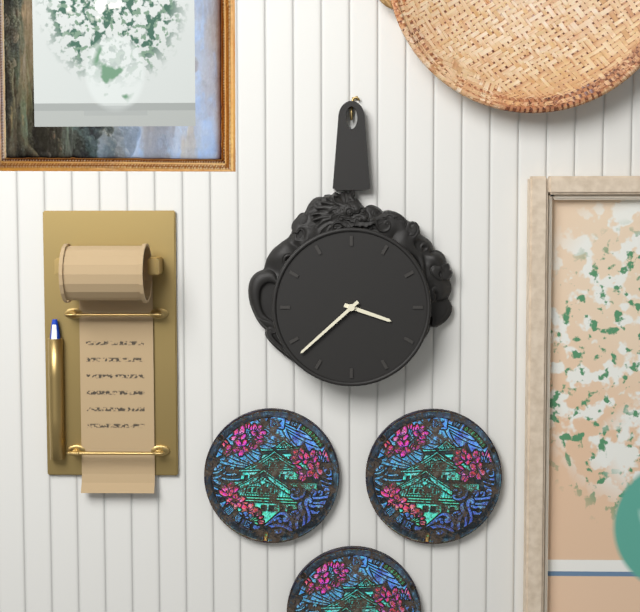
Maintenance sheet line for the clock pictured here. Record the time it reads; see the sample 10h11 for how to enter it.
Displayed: 3h38
